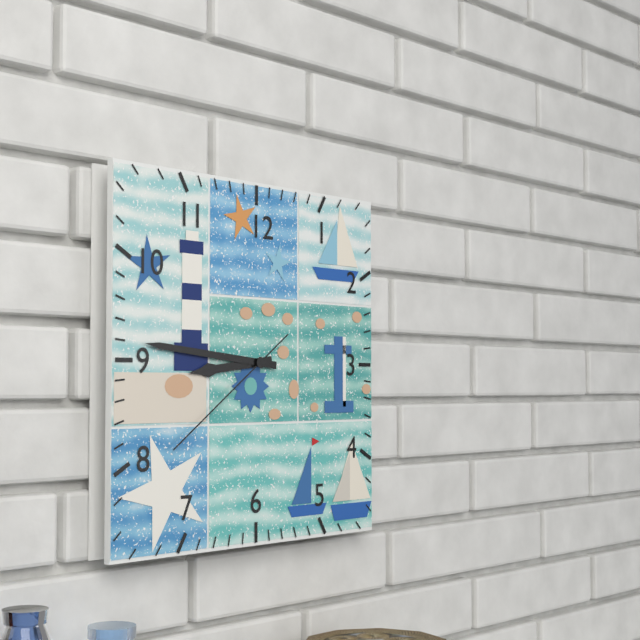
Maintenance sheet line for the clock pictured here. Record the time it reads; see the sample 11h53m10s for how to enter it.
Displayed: 8h46m39s
